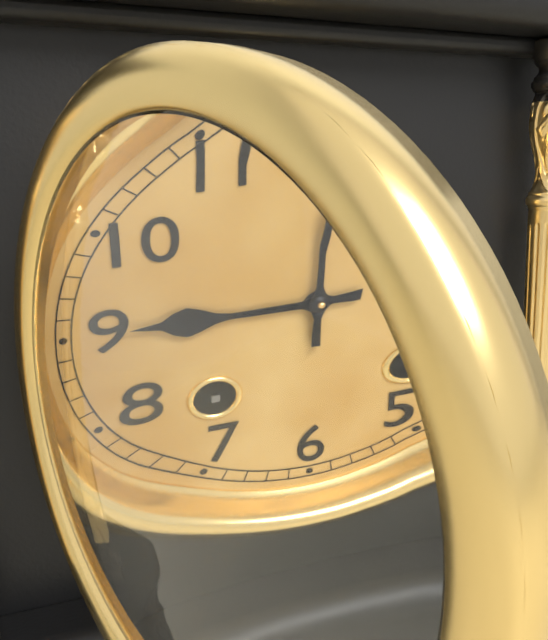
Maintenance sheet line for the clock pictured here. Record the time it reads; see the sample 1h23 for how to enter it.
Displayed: 9h00
